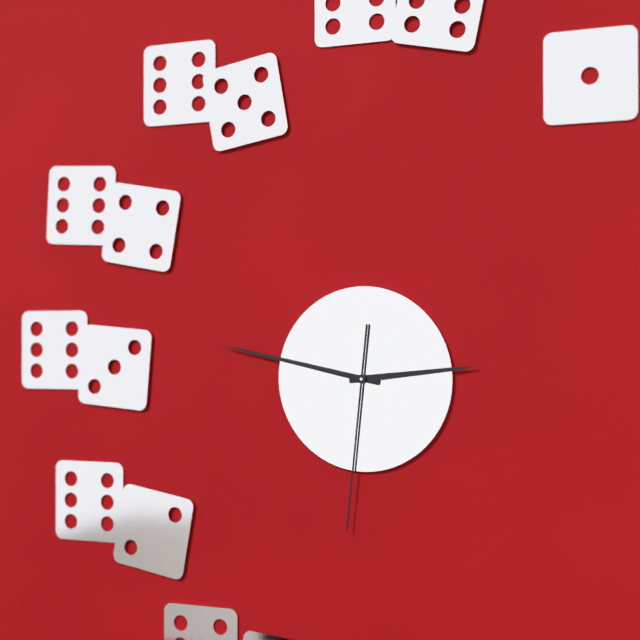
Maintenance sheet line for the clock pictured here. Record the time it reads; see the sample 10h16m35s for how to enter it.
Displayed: 2h47m31s
